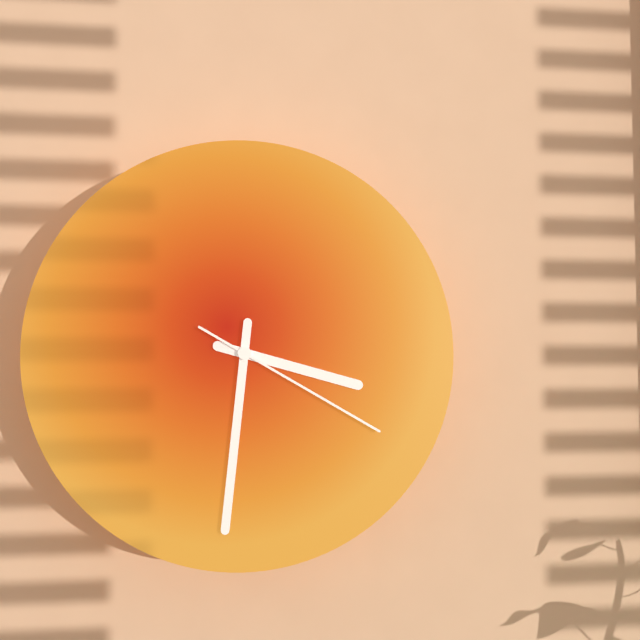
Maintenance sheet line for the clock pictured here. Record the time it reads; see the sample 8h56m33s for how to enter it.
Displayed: 3h31m20s
